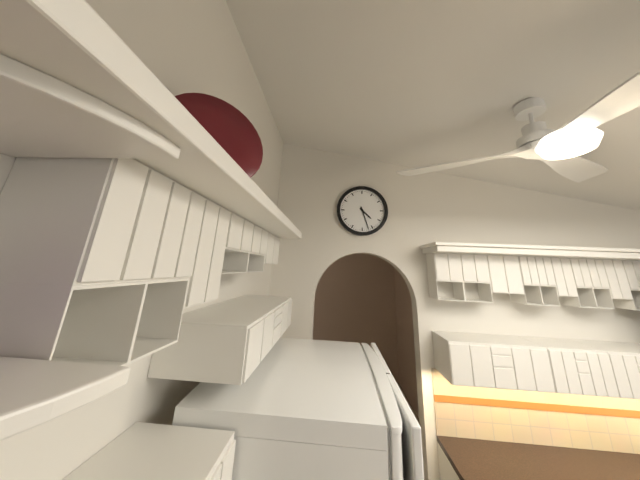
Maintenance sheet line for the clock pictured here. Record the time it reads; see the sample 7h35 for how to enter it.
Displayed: 4h27
